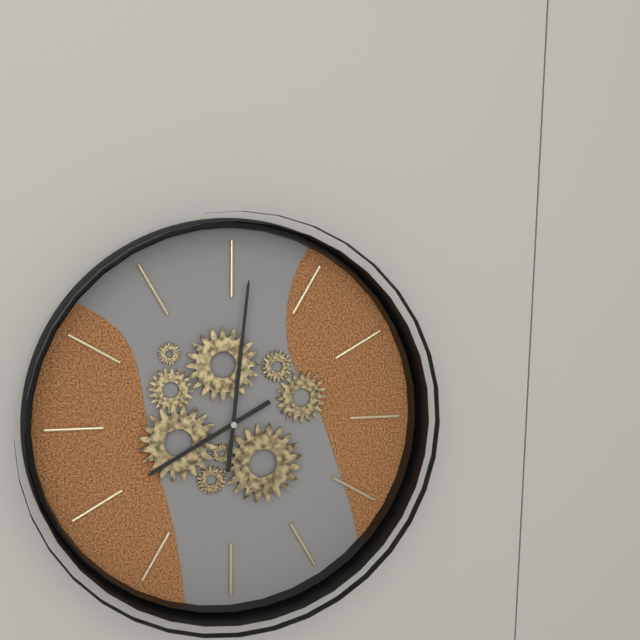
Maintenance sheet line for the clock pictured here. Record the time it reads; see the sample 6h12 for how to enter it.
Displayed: 8h01
